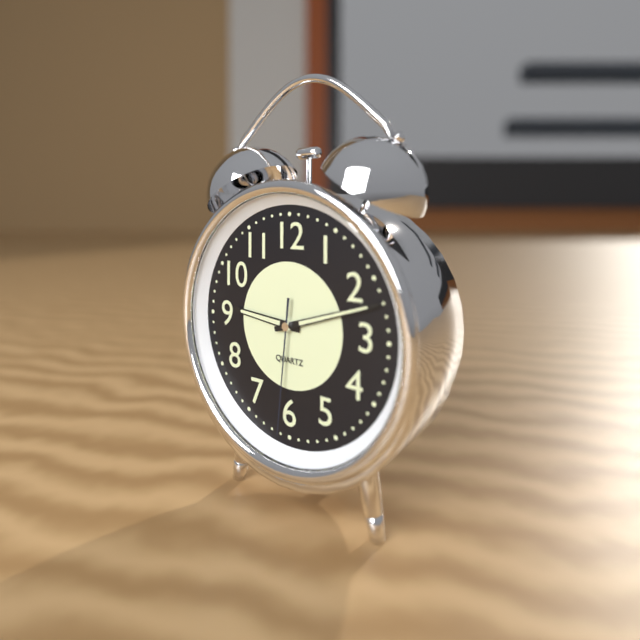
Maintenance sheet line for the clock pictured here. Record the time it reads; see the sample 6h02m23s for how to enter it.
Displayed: 9h12m31s
